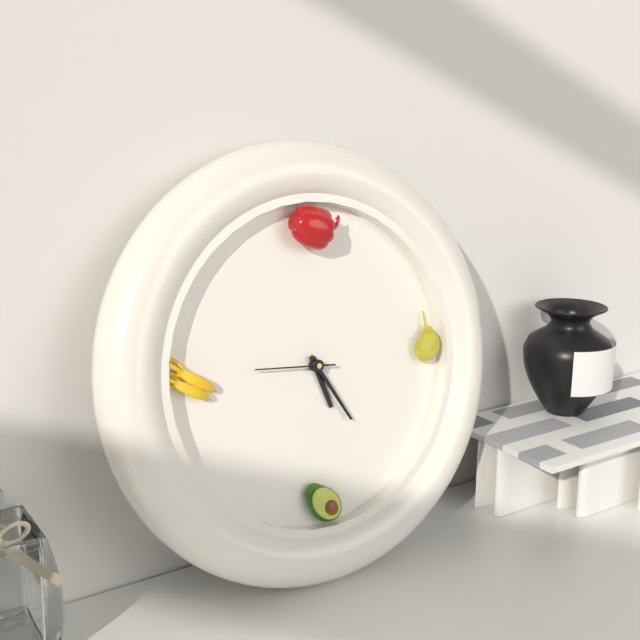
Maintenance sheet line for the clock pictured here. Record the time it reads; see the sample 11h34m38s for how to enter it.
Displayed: 5h25m46s
